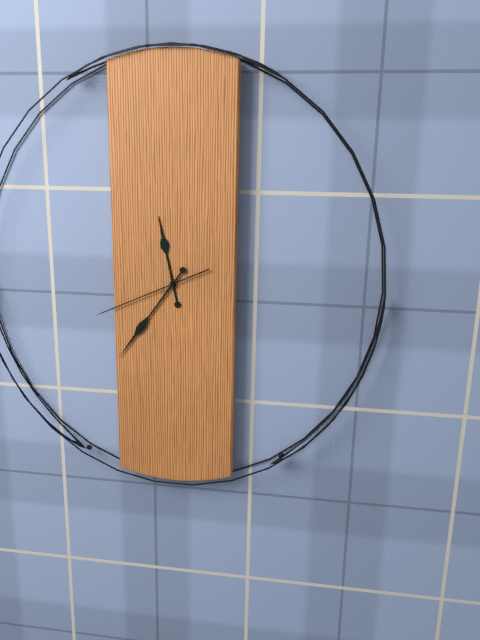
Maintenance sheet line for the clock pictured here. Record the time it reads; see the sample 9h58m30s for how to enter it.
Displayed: 11h36m41s
